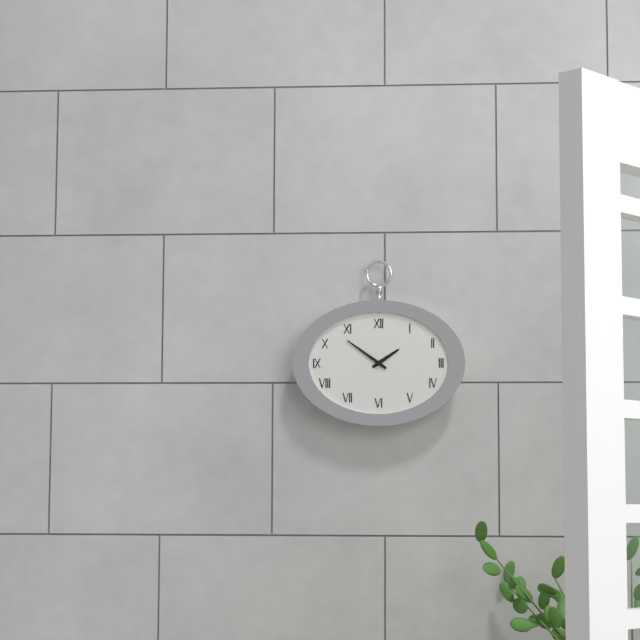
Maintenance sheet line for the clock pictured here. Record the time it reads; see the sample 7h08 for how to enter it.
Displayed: 1h51
